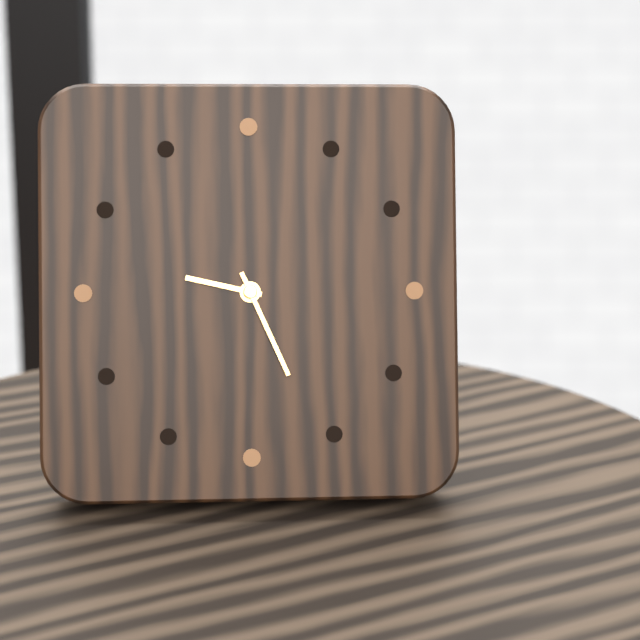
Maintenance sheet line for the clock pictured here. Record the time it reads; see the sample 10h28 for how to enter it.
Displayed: 9h26
